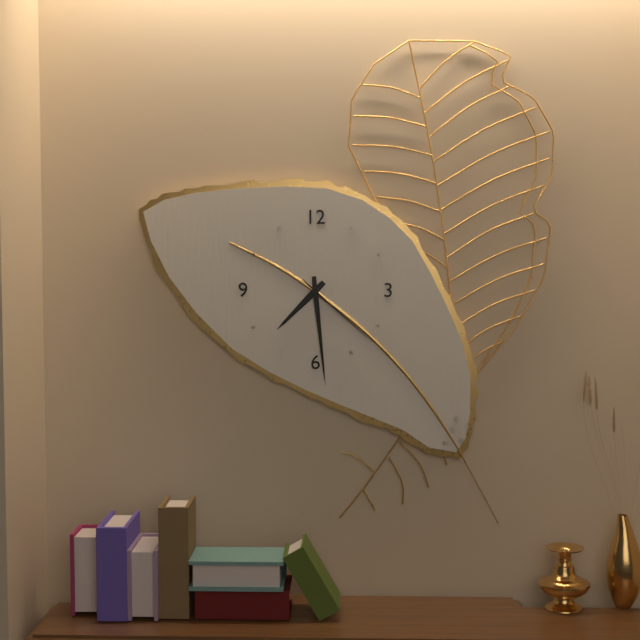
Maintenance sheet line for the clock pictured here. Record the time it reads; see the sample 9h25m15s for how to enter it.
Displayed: 7h29m22s
